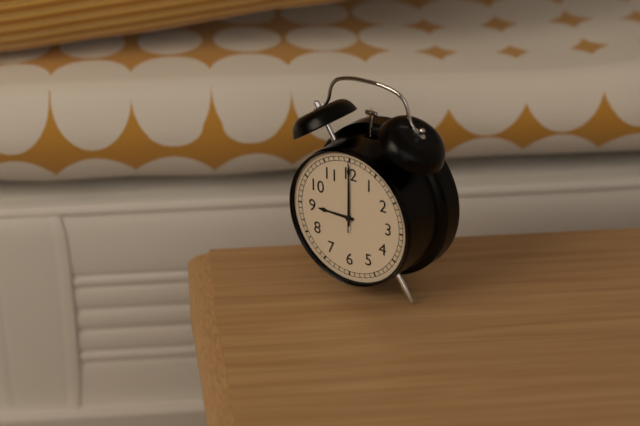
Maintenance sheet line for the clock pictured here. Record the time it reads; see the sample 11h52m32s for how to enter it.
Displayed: 9h00m00s
